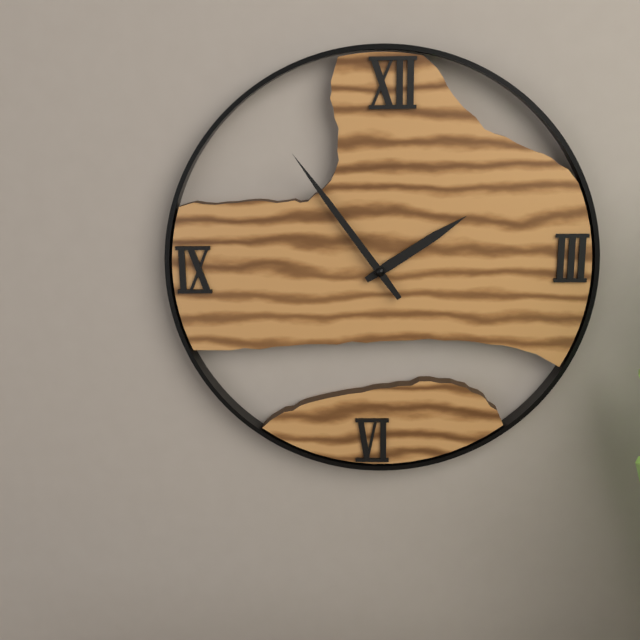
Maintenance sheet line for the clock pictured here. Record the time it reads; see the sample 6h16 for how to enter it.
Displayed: 1h54
